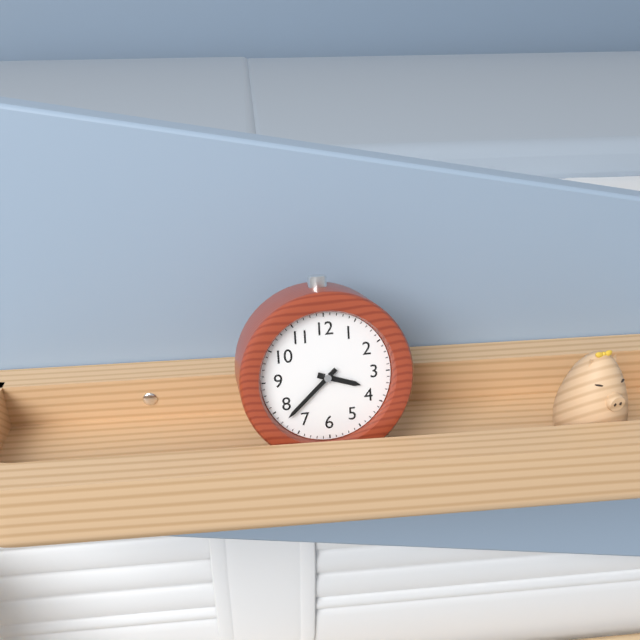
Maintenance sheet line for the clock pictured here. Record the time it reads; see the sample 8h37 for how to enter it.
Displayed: 3h38
